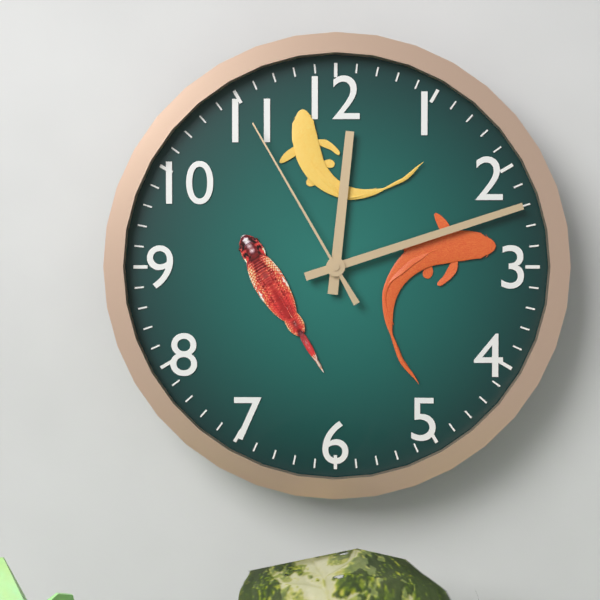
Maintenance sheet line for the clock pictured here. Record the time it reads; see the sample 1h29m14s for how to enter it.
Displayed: 12h12m55s
